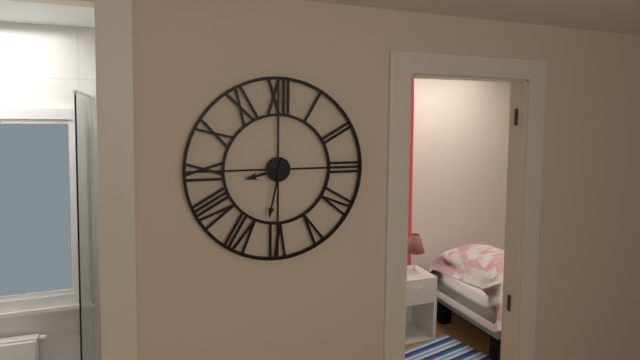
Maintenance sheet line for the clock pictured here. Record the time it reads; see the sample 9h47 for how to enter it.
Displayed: 8h32
